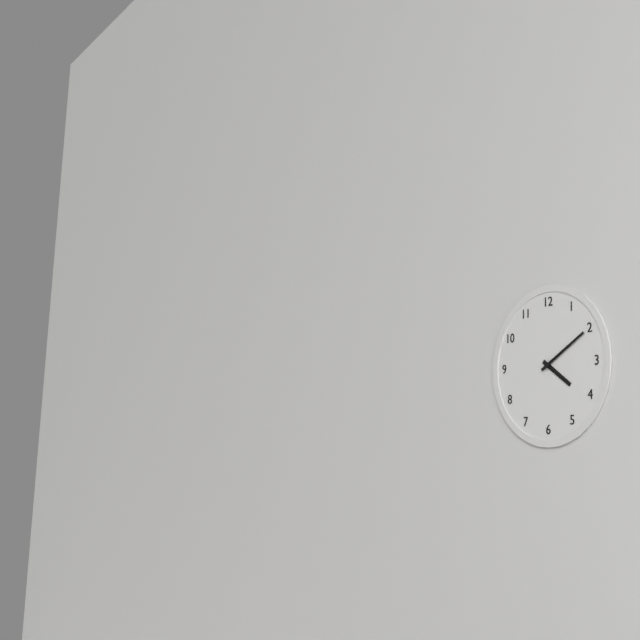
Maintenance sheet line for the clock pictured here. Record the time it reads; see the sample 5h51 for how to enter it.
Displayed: 4h10
